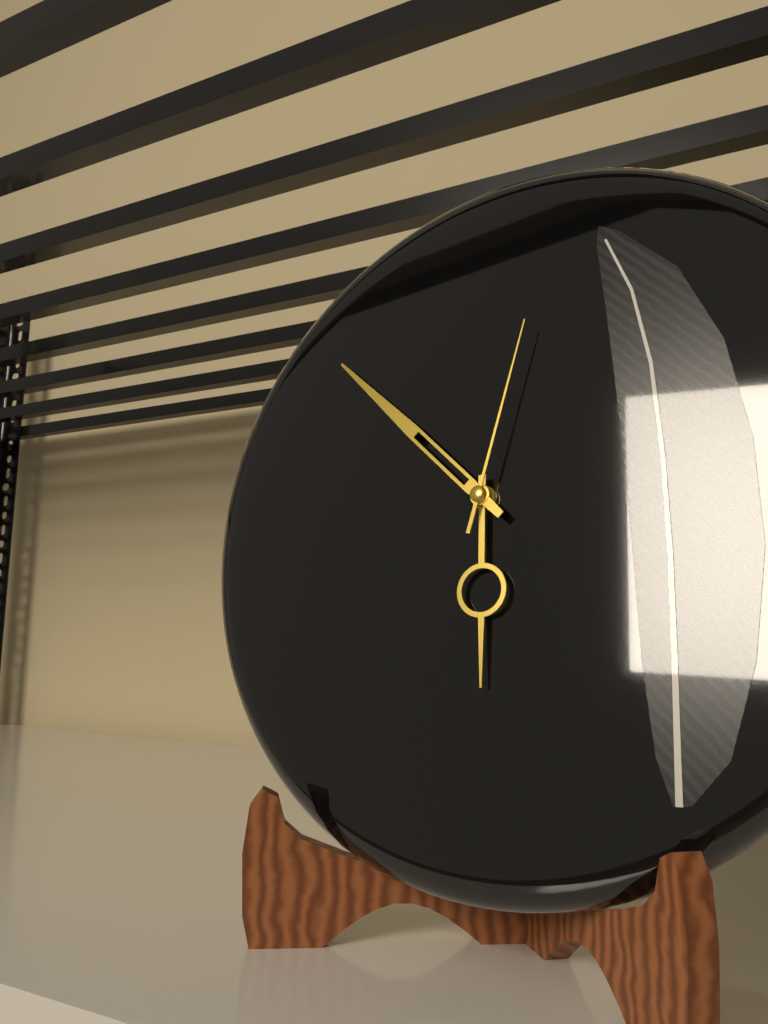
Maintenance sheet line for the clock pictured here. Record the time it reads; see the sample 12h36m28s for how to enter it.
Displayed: 5h52m02s
